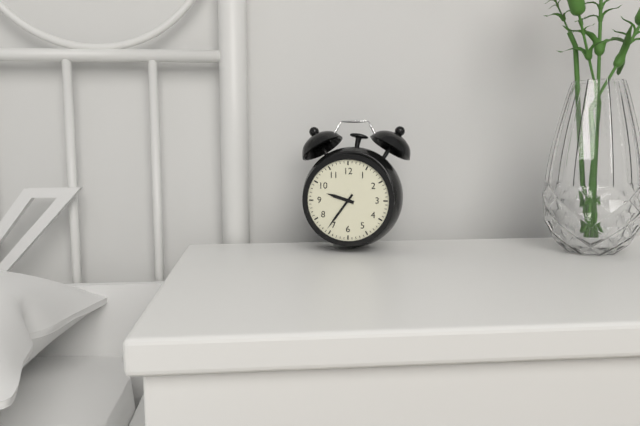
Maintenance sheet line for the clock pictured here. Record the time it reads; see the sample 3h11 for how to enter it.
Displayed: 9h36
